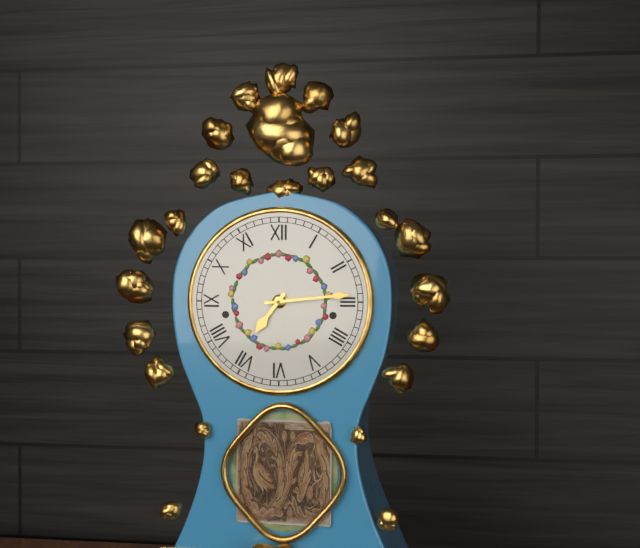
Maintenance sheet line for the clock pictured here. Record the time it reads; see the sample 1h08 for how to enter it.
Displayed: 7h14
